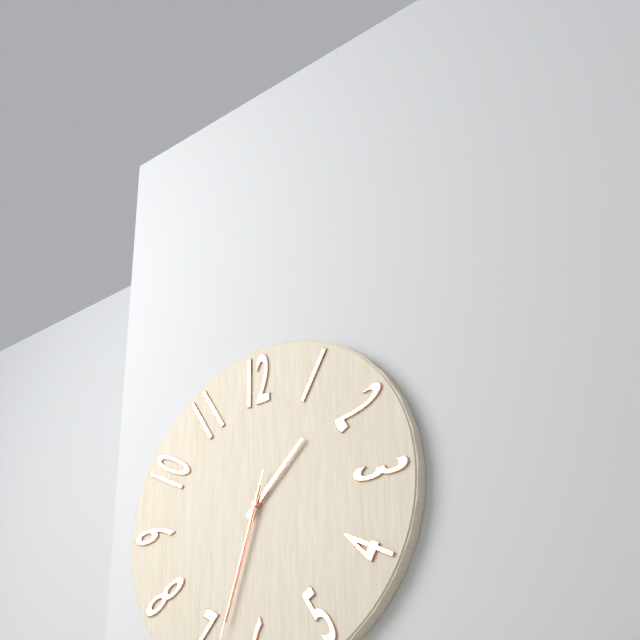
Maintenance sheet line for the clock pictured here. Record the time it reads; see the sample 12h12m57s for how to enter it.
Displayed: 1h33m33s
